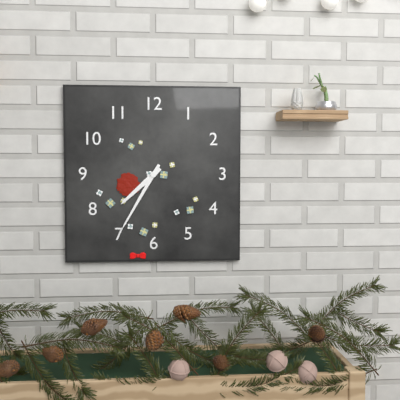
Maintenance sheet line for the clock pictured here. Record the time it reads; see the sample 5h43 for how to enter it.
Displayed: 7h35
